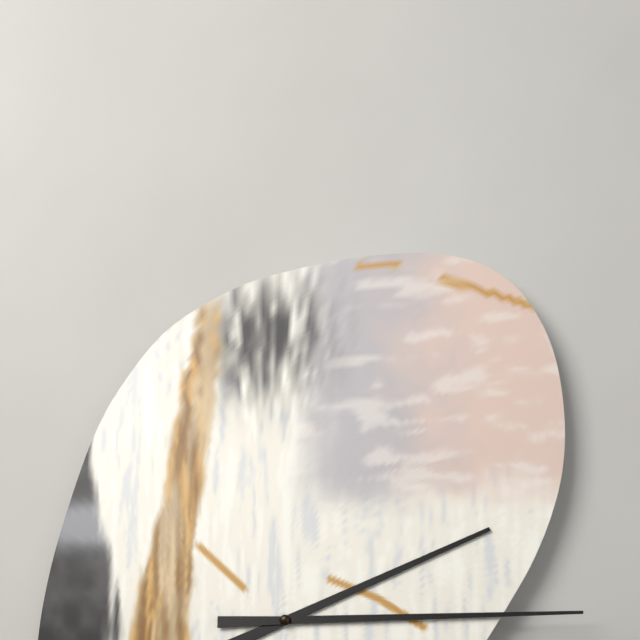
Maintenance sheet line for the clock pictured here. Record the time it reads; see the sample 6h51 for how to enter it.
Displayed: 2h15
